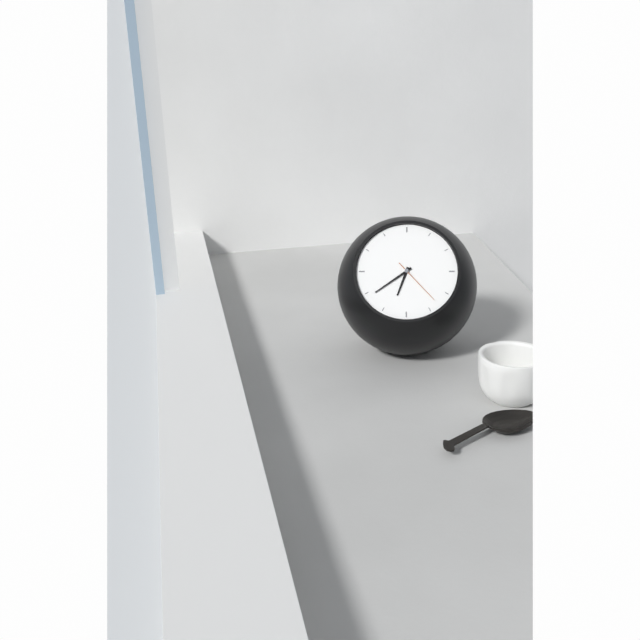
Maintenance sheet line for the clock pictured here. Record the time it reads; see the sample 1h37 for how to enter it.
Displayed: 6h39
